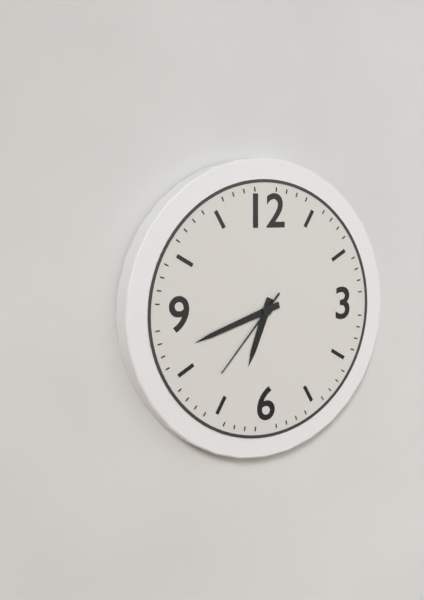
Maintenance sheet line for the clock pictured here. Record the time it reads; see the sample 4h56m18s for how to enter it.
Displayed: 6h42m37s
